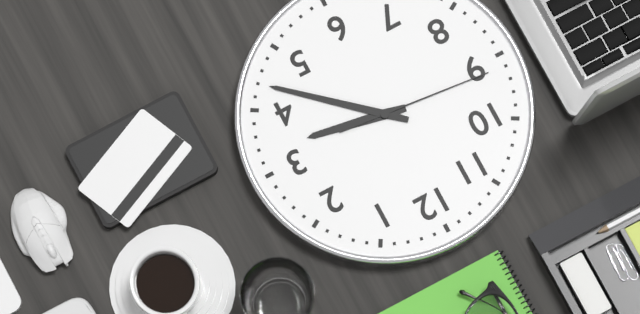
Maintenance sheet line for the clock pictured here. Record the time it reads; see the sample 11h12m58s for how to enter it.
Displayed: 3h22m46s
